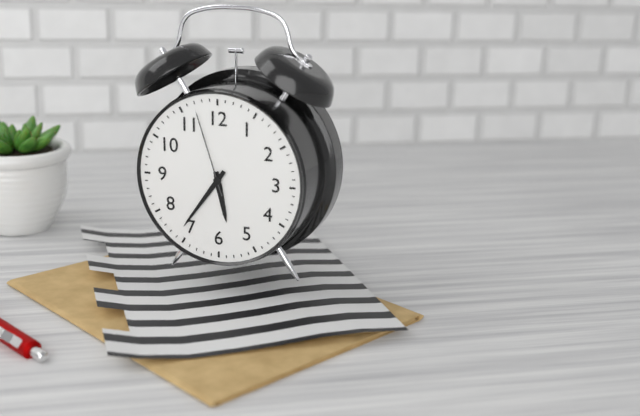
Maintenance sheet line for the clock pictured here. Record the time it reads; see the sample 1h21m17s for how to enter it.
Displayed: 5h36m57s
